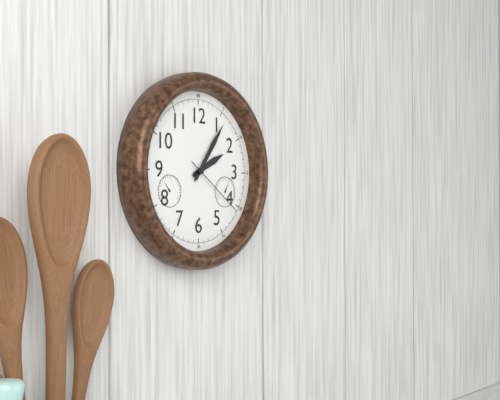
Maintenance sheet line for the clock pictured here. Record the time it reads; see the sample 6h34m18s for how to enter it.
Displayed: 2h06m21s
